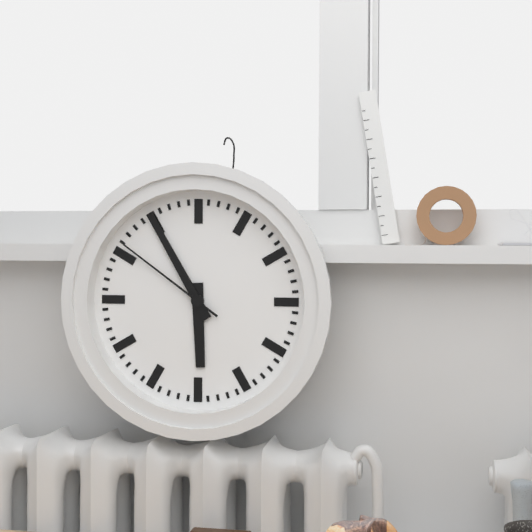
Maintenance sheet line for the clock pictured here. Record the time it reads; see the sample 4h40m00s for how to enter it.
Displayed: 5h55m51s
